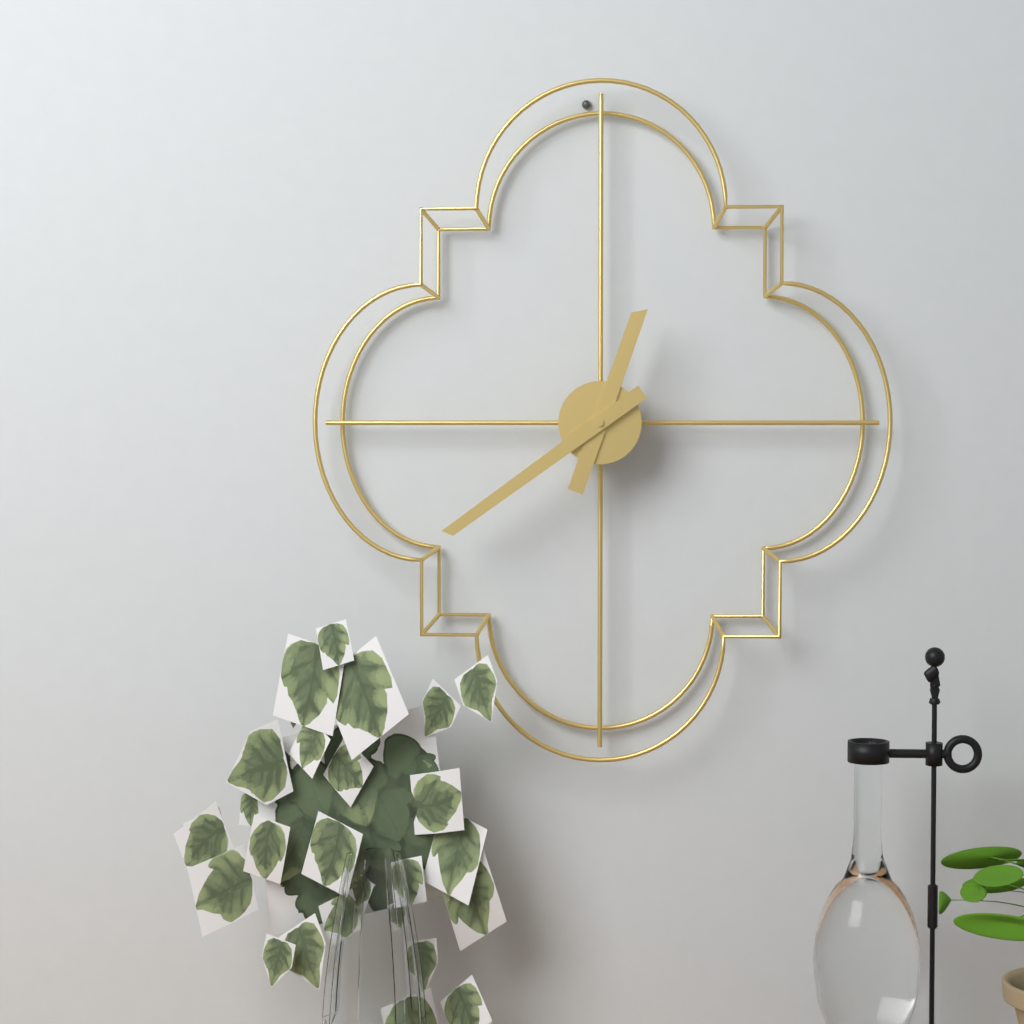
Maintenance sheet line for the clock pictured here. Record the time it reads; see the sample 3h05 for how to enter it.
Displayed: 12h39
